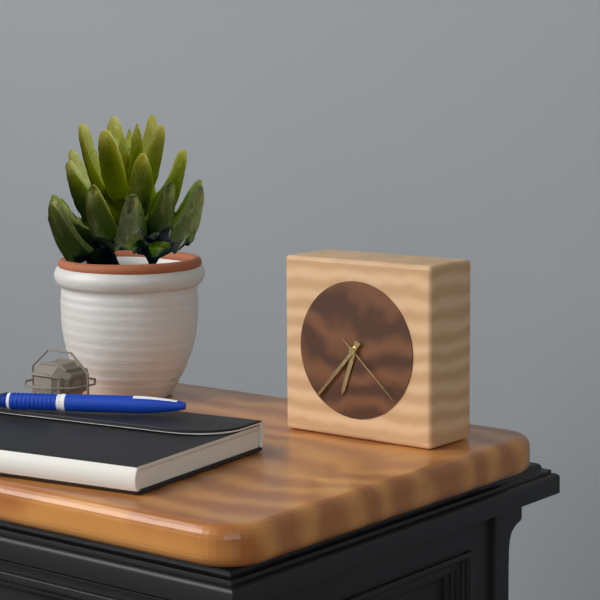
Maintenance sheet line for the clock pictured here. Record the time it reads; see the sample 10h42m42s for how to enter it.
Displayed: 6h37m22s
